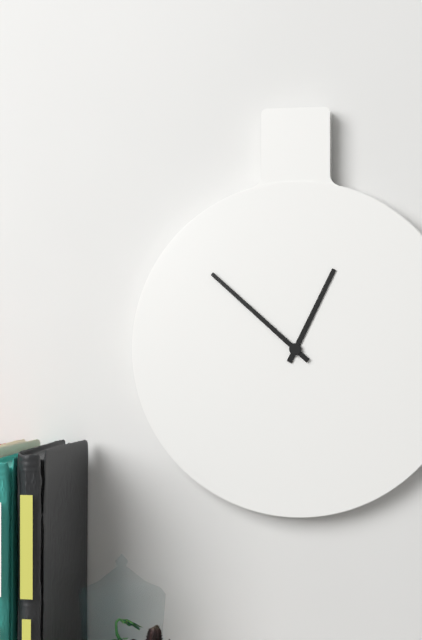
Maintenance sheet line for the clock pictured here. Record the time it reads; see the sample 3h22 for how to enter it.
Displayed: 12h52
